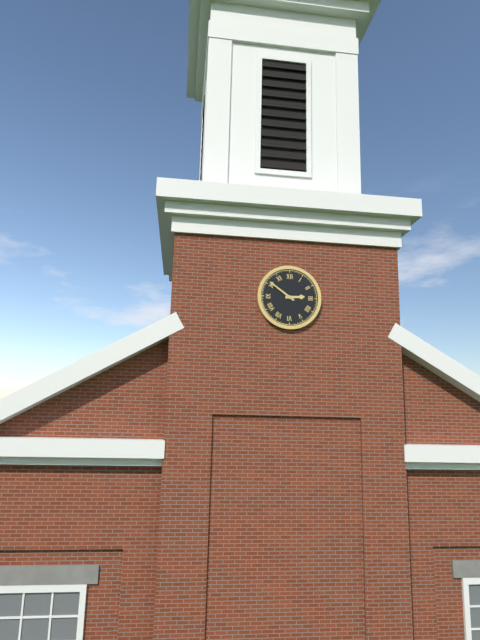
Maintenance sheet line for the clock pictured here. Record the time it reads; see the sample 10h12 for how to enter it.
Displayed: 2h51
